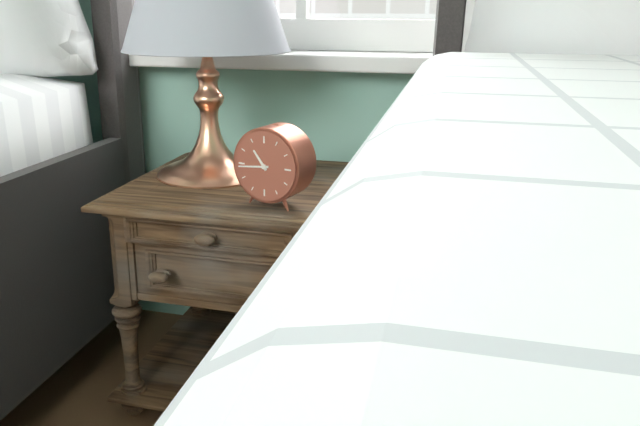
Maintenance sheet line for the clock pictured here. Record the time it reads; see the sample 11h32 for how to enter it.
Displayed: 10h44
